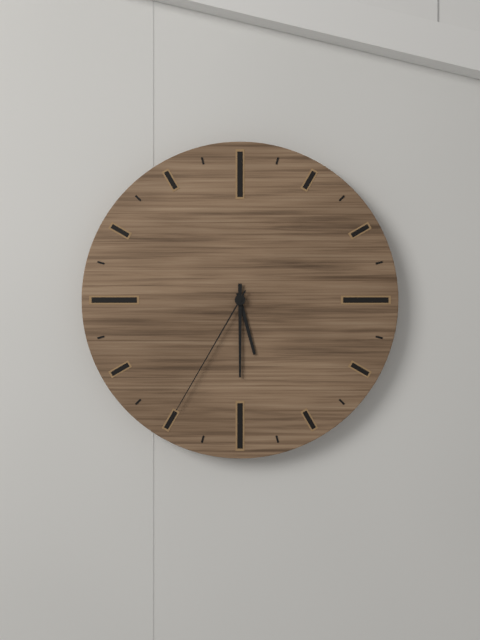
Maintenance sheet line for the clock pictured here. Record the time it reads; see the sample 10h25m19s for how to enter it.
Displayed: 5h30m35s
